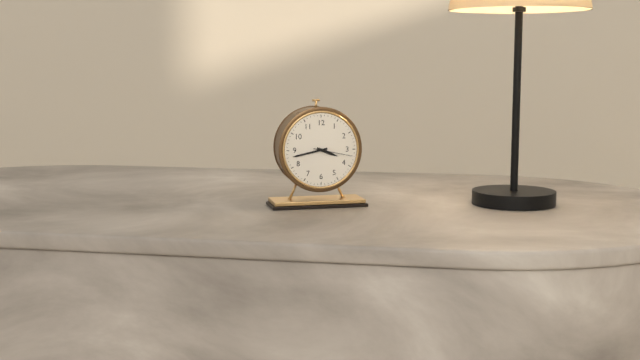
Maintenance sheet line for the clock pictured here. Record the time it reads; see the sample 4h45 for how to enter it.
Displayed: 3h43
